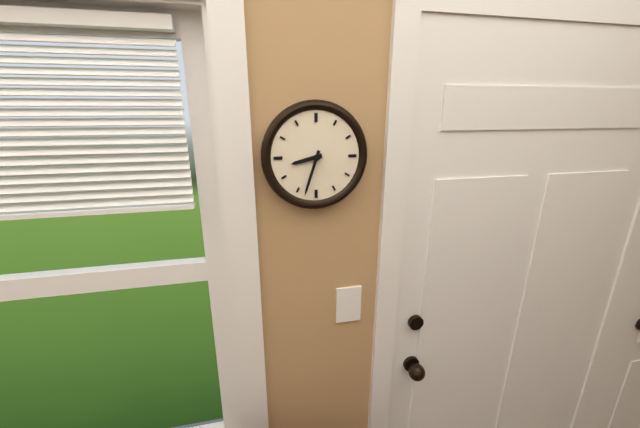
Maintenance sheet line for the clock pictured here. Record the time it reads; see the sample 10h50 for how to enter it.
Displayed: 8h33
